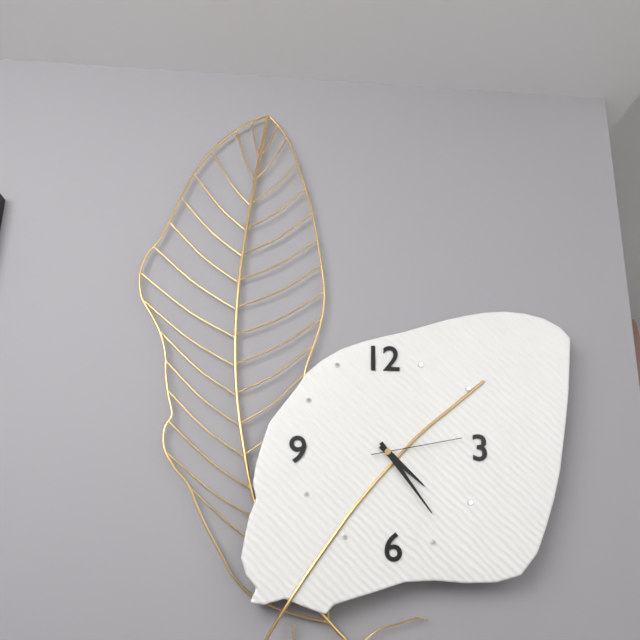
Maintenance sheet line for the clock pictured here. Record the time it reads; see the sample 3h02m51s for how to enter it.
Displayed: 4h24m13s
